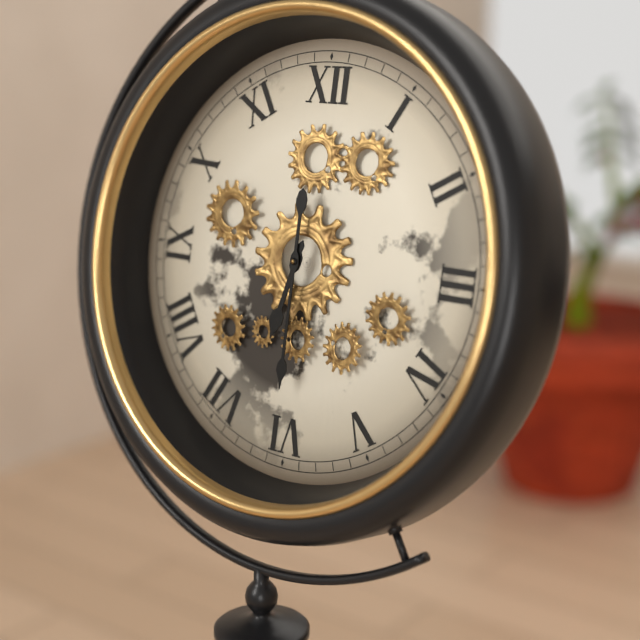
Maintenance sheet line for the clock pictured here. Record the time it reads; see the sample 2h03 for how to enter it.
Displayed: 6h30
